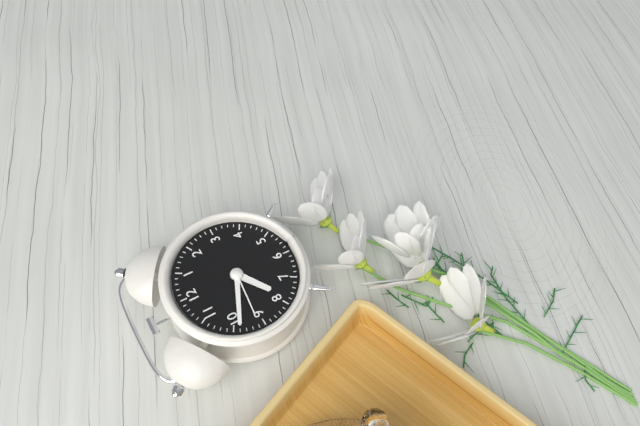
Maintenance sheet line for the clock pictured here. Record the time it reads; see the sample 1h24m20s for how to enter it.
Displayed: 7h49m46s
